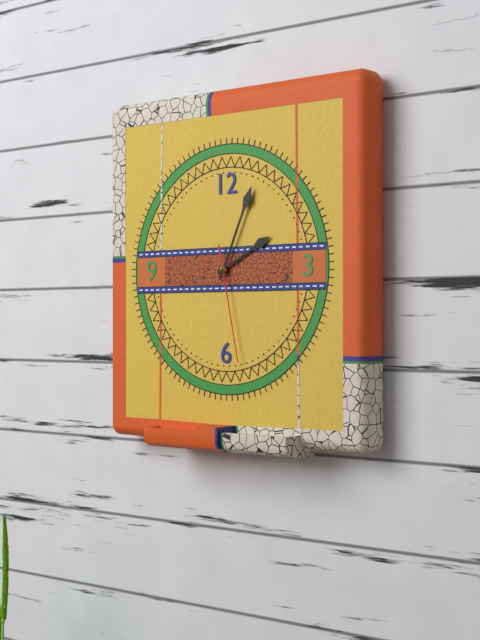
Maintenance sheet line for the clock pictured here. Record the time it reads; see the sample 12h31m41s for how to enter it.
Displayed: 2h04m28s
